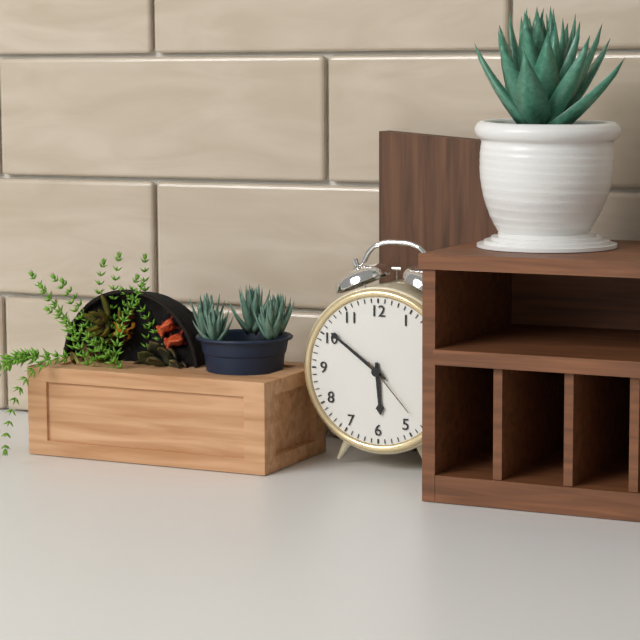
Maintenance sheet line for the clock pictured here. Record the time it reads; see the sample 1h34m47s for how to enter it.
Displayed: 5h51m23s
